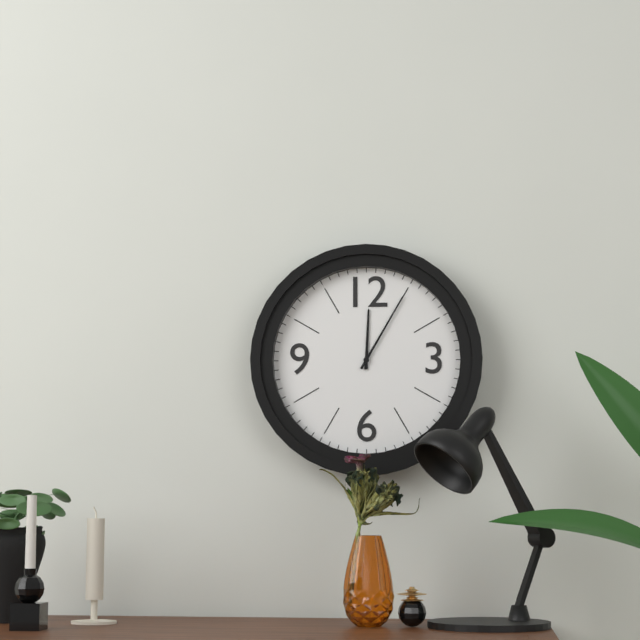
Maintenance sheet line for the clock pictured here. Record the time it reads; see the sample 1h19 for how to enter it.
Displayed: 12h05
